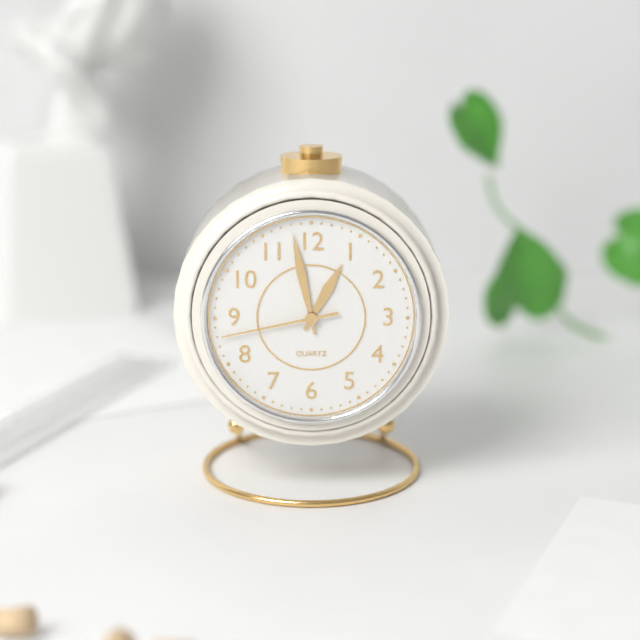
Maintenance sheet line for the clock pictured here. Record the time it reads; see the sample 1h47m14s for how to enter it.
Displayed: 12h58m43s
